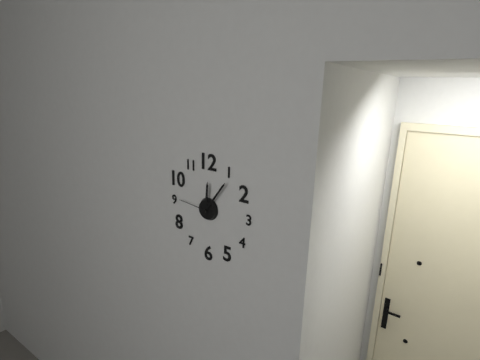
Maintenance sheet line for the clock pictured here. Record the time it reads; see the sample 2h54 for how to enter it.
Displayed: 12h06
